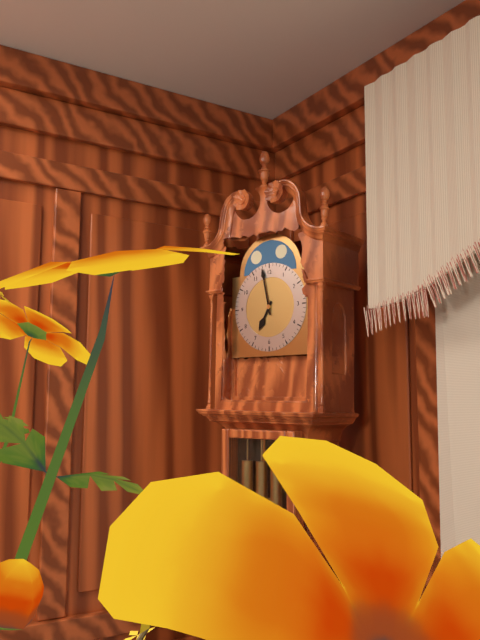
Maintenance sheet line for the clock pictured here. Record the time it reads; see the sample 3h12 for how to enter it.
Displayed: 6h58
